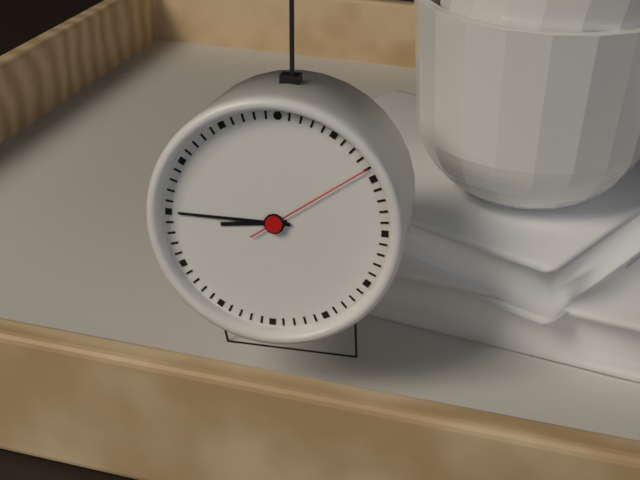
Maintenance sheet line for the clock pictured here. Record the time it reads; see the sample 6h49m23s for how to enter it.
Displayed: 8h45m09s
